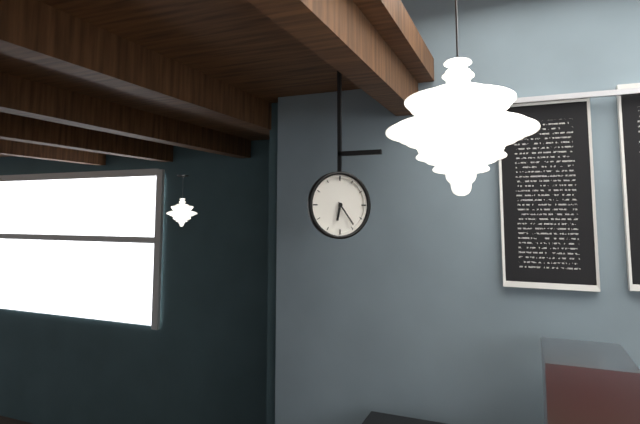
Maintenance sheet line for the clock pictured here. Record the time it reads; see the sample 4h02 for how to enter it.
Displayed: 6h24
